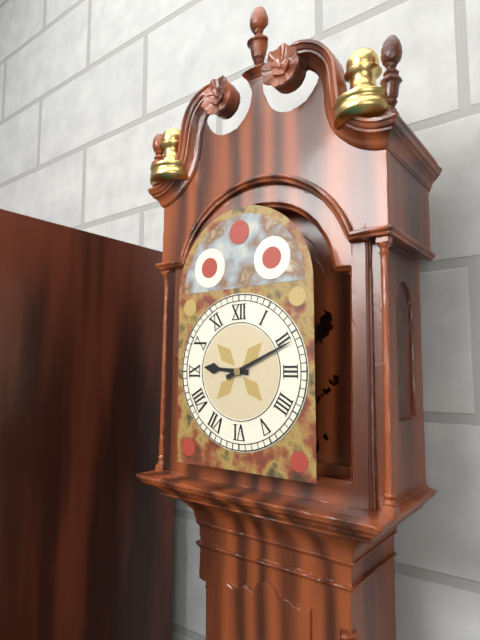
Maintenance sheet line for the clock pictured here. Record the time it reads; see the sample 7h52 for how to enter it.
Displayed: 9h11
